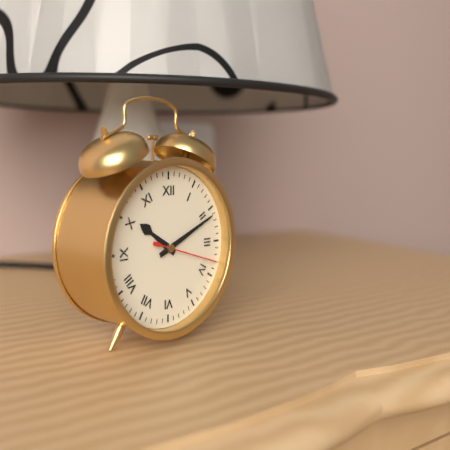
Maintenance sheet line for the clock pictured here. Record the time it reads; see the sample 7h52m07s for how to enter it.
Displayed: 10h11m18s
